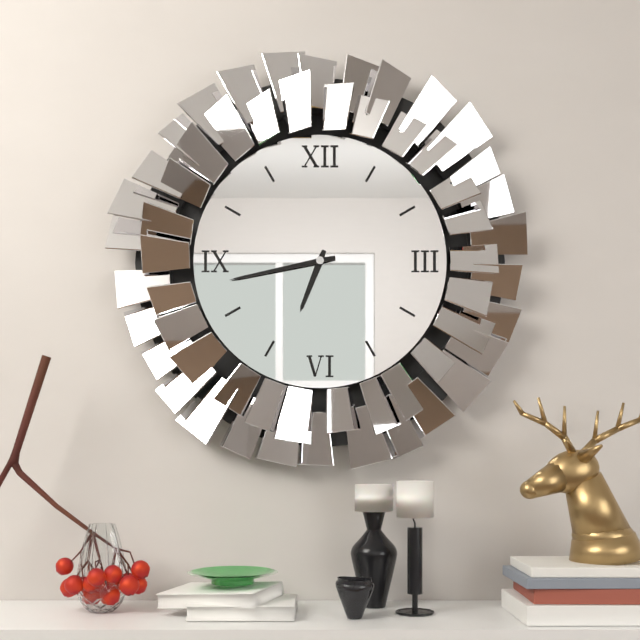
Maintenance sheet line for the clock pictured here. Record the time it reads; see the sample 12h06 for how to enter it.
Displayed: 6h43
